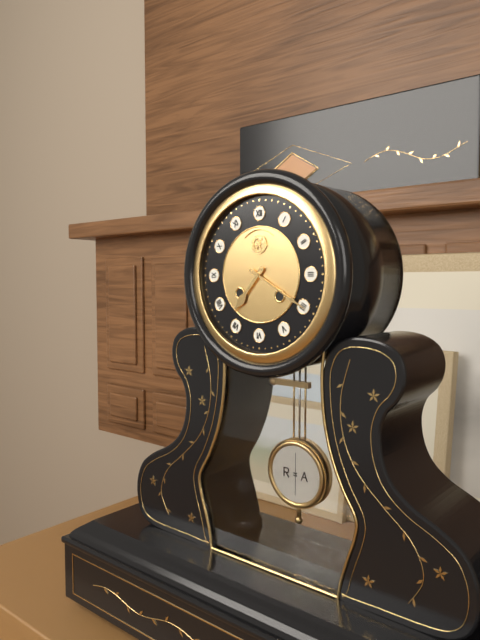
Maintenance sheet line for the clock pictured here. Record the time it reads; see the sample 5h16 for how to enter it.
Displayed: 7h20
